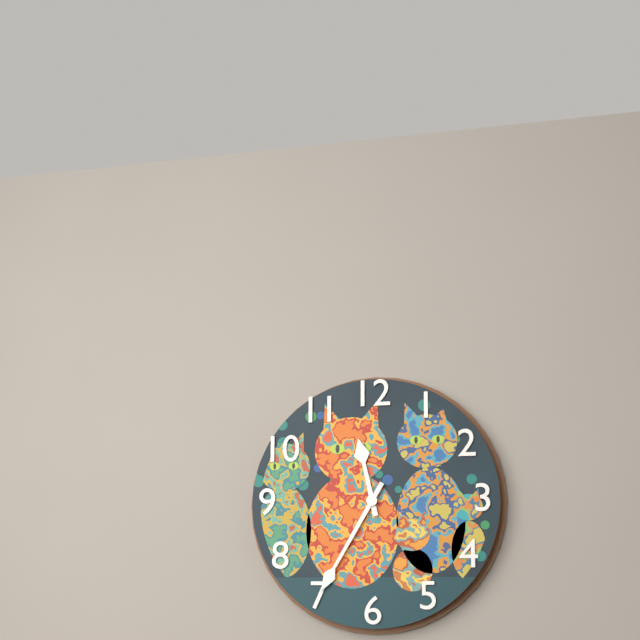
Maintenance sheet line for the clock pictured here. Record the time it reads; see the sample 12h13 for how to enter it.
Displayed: 11h35
